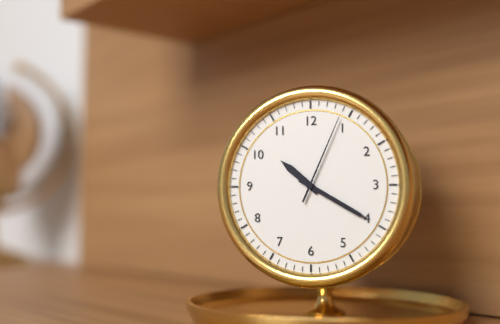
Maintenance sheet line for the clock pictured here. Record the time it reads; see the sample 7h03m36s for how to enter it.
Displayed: 10h20m04s
